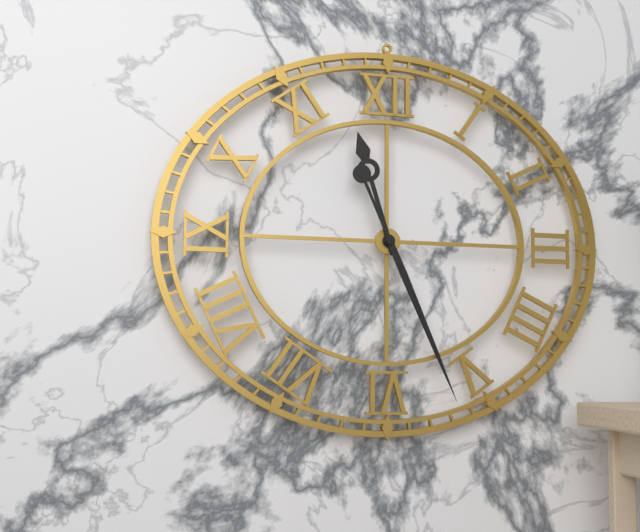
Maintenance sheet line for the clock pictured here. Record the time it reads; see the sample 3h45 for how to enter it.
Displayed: 11h26
